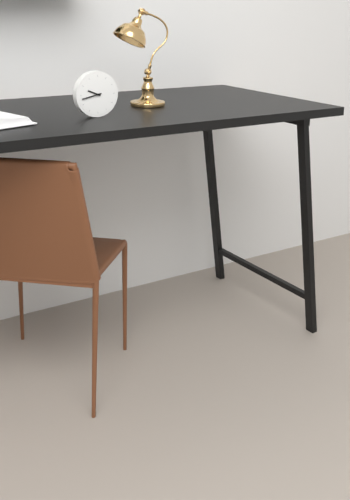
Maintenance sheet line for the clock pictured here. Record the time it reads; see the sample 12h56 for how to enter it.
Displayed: 9h43
